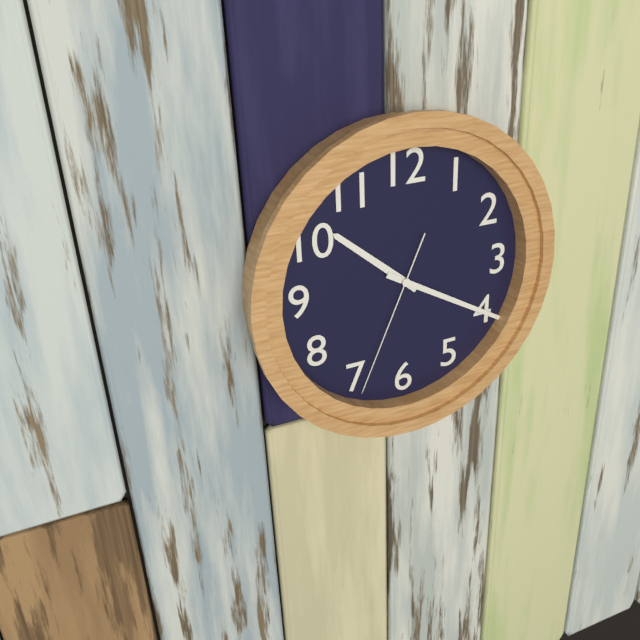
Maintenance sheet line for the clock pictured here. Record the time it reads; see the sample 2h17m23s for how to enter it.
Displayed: 10h20m34s
